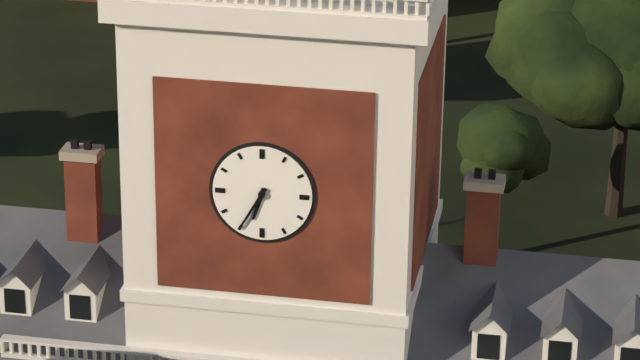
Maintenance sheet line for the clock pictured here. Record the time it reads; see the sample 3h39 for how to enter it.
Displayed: 6h35
